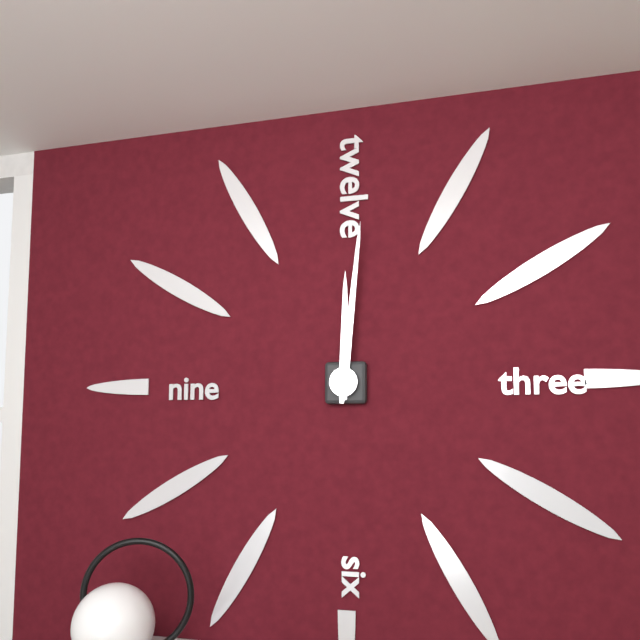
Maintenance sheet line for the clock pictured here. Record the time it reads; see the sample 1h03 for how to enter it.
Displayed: 12h01
